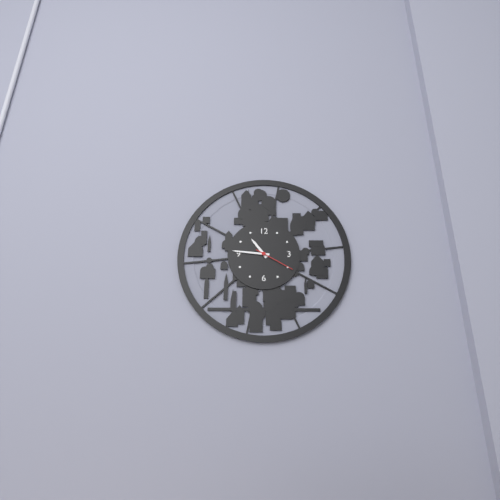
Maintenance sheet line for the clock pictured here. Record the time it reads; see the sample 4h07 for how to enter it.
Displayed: 10h46
